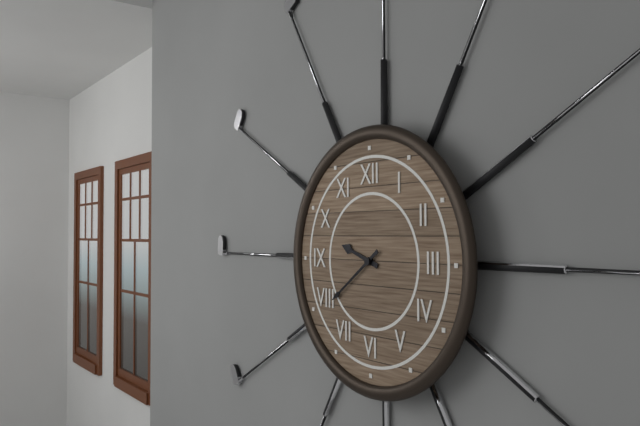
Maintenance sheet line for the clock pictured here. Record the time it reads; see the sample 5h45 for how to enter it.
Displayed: 9h39
